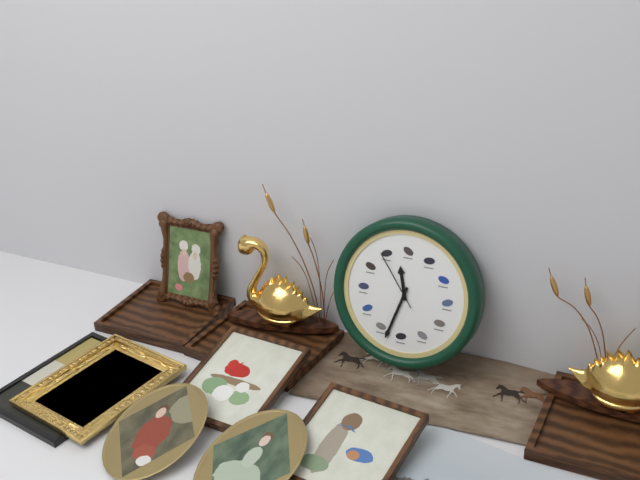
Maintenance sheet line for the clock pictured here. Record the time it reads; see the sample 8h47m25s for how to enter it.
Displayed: 11h33m54s
